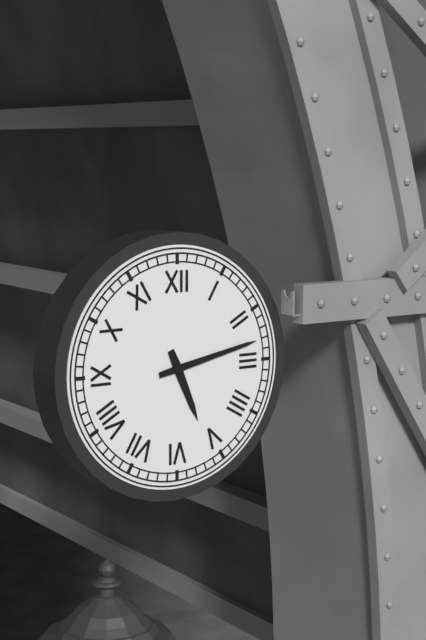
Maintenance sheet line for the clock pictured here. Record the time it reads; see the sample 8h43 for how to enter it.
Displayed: 5h13
